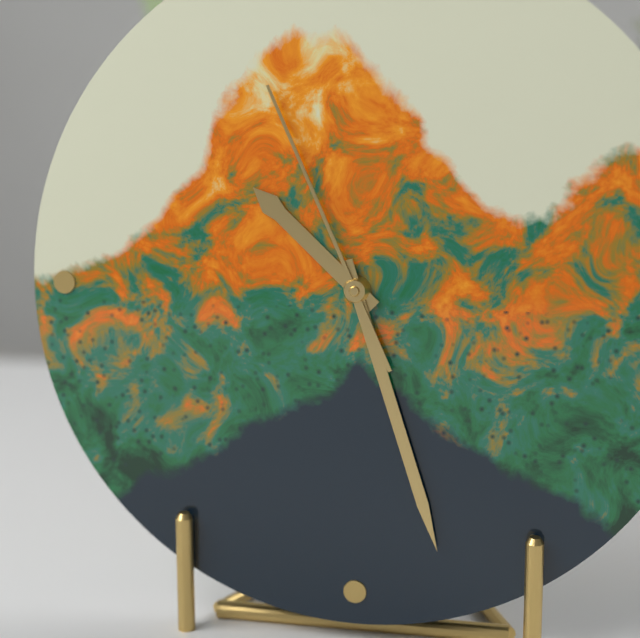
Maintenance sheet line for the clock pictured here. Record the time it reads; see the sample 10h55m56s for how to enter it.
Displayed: 10h27m56s
